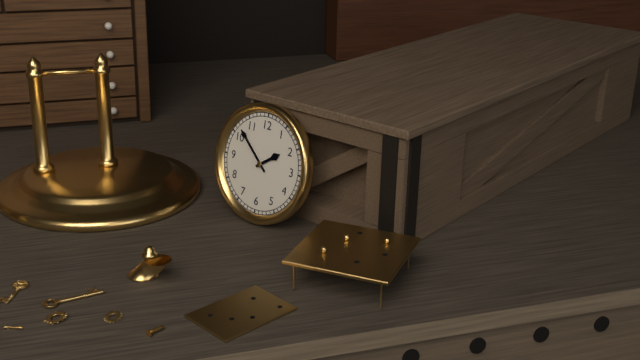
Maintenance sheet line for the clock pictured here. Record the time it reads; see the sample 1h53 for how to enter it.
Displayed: 1h52
